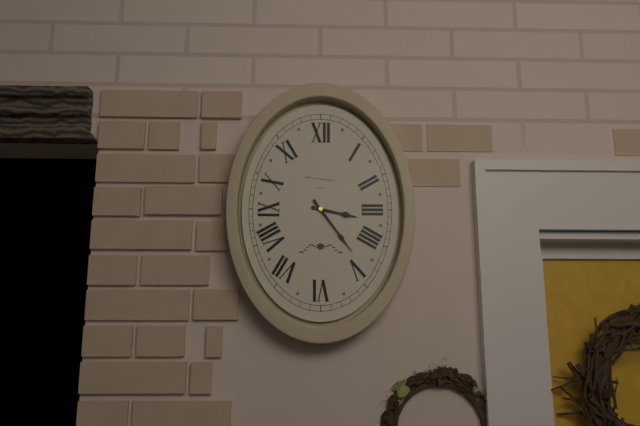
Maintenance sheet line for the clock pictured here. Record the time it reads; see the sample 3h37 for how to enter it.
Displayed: 3h24
